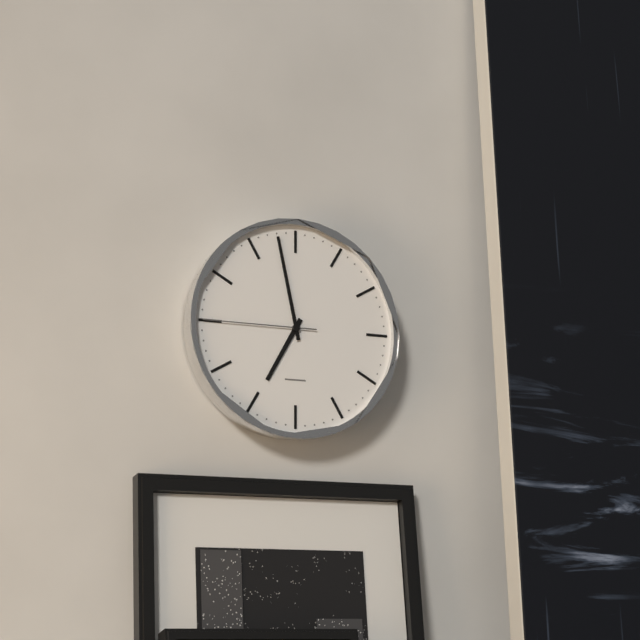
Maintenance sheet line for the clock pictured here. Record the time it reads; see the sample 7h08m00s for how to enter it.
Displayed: 6h58m45s
